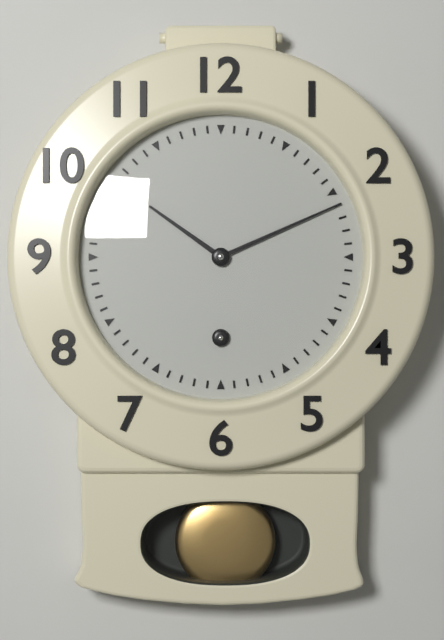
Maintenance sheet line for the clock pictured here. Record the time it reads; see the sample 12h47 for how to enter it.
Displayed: 10h11
